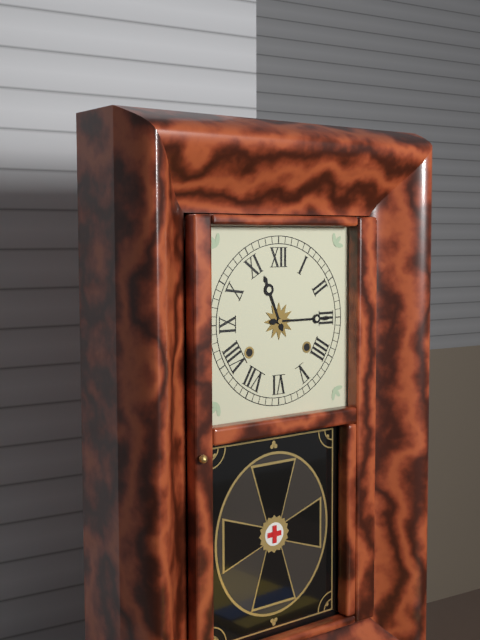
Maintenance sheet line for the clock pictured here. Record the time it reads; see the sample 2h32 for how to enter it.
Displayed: 11h15
